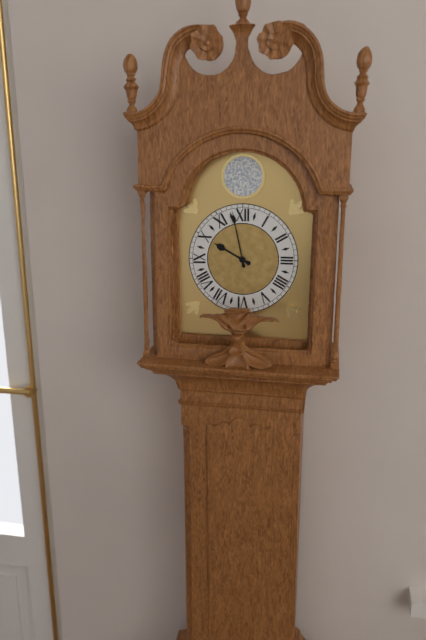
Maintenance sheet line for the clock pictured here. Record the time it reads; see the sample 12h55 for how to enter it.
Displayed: 9h58
